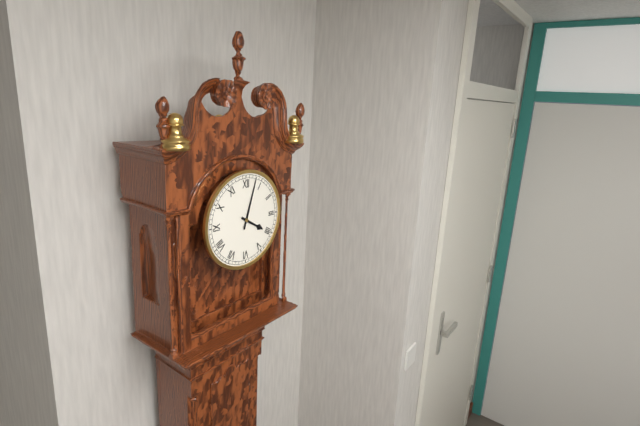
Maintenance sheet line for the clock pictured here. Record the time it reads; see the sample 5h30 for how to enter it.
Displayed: 4h03
